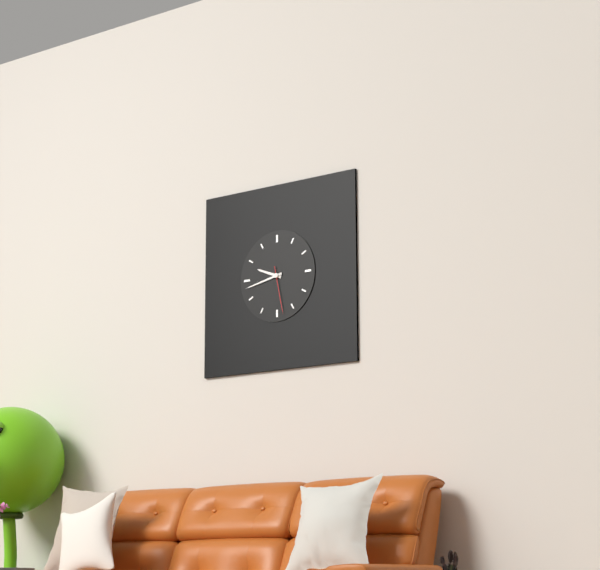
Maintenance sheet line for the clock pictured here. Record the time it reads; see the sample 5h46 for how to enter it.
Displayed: 9h43
